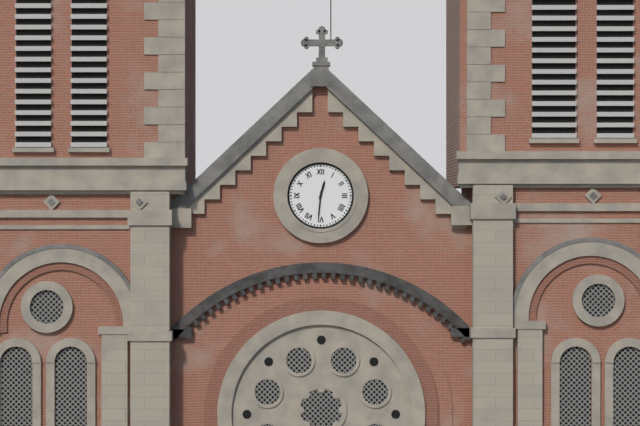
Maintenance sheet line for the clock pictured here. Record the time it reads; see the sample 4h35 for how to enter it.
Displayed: 12h31
